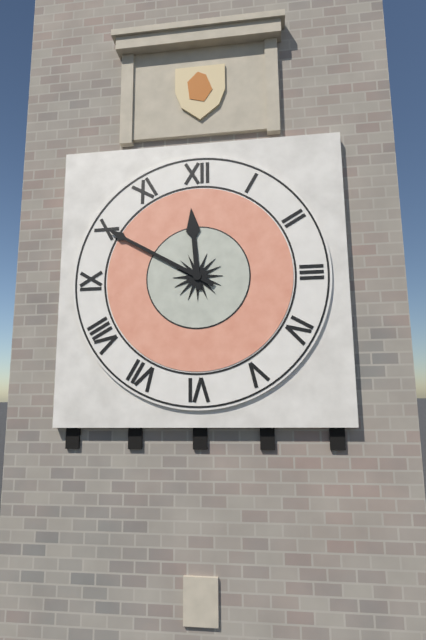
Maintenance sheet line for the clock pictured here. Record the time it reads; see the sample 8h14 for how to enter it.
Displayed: 11h50
